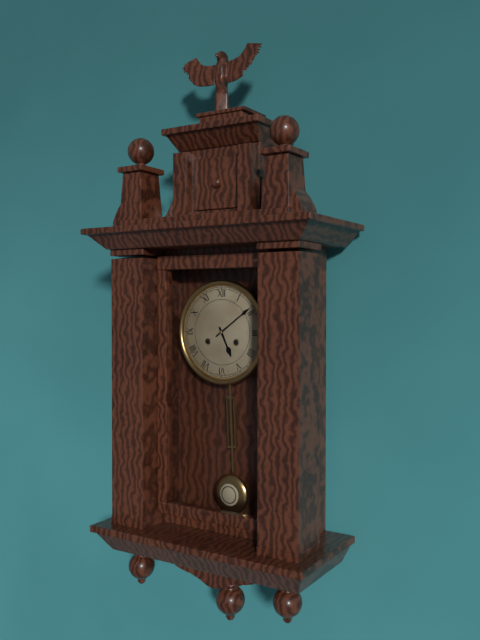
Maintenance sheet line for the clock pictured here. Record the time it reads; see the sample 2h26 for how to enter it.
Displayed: 5h09
